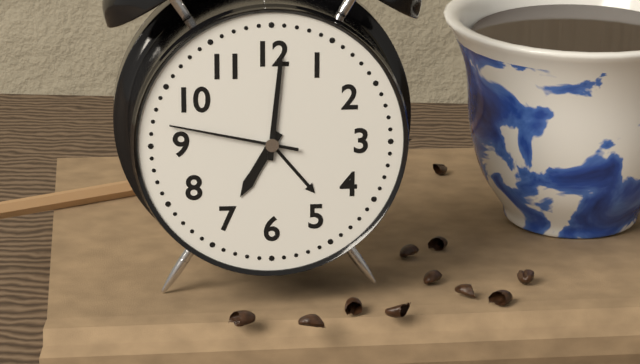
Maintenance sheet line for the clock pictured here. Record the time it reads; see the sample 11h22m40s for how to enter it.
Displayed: 7h01m47s
